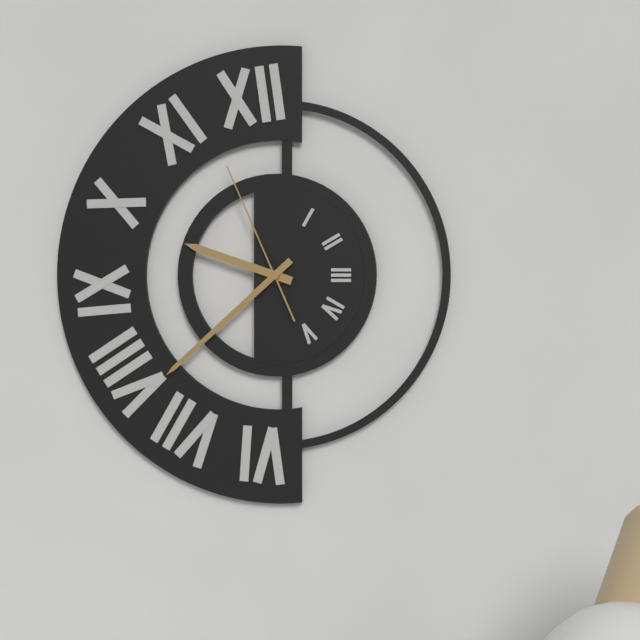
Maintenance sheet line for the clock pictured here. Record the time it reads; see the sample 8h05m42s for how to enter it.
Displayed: 9h38m56s
